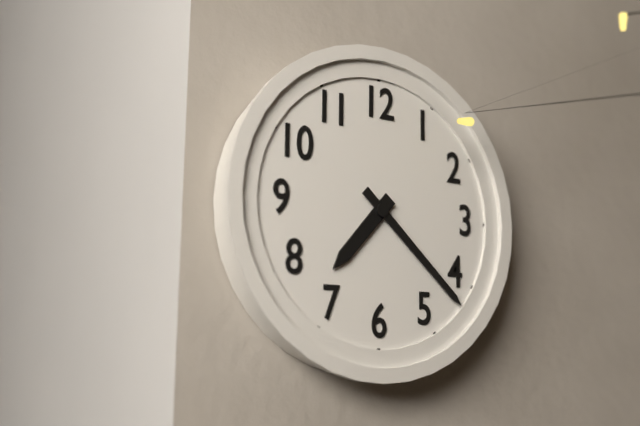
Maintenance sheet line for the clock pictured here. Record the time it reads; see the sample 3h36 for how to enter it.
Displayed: 7h22
